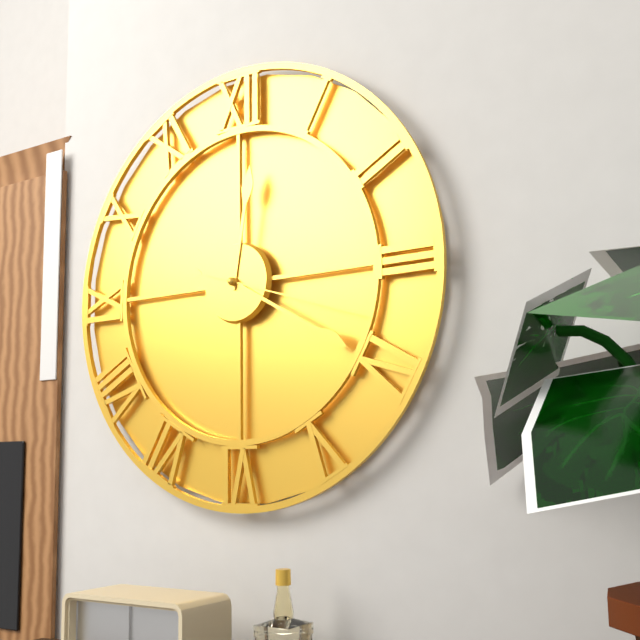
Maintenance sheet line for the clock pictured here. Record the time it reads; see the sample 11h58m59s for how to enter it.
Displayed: 12h20m18s
